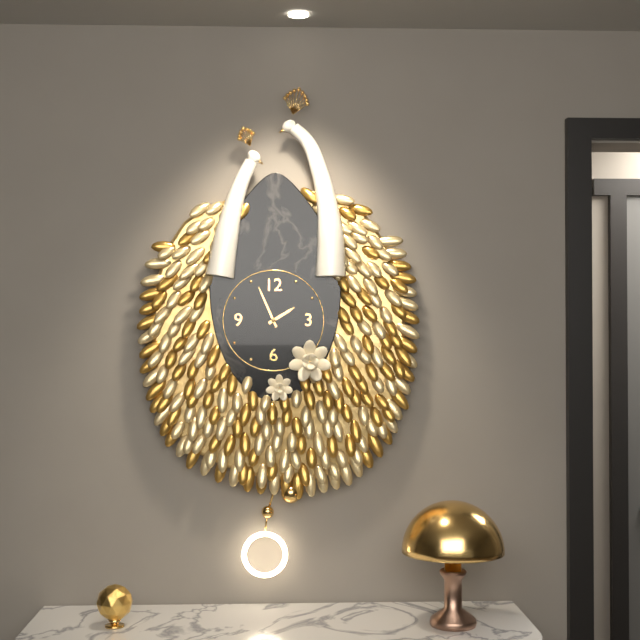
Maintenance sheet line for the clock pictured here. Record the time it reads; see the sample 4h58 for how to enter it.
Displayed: 1h56
